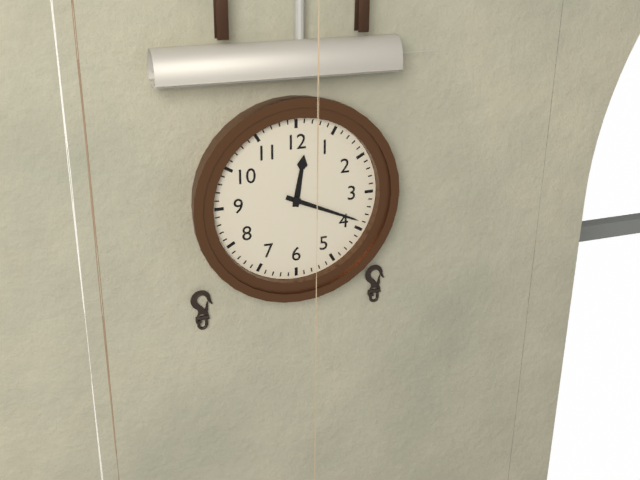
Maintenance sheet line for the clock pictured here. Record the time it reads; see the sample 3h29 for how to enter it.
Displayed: 12h19
